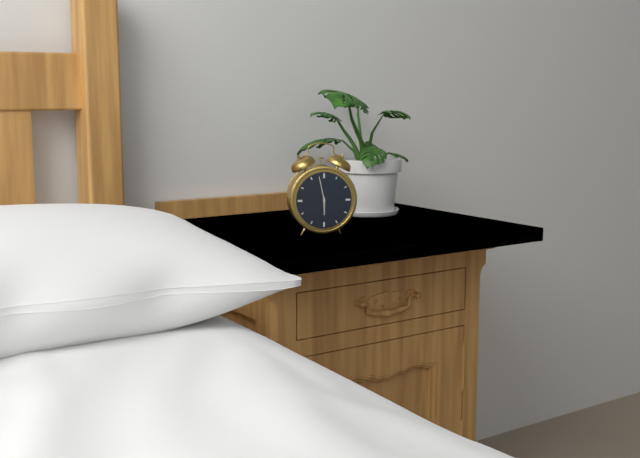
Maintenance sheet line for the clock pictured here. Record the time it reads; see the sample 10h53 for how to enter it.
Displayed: 5h58
